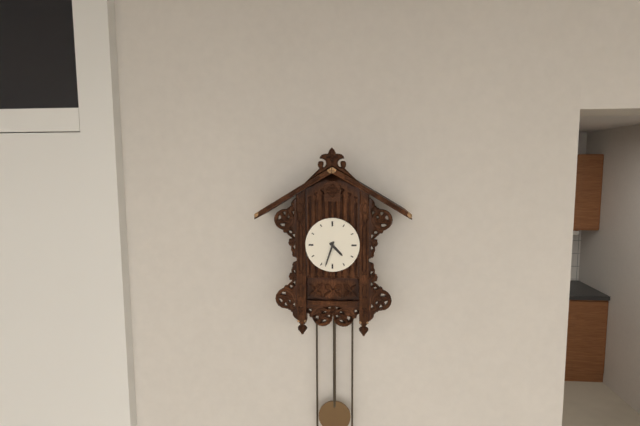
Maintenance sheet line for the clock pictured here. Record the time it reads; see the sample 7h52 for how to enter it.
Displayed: 4h33
